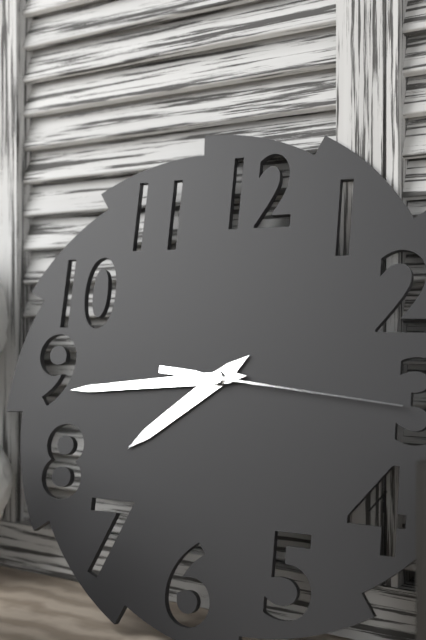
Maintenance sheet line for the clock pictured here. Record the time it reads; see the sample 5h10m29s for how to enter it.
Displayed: 7h44m16s
